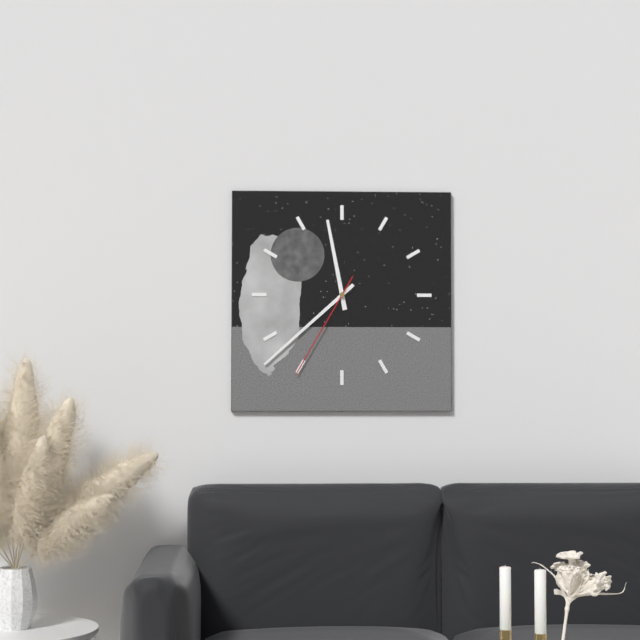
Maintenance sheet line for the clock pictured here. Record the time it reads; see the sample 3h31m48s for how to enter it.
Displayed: 11h38m35s
